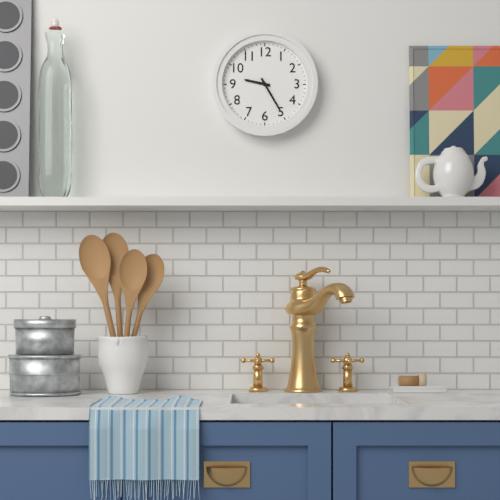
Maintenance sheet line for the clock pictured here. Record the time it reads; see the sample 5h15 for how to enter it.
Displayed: 9h25
